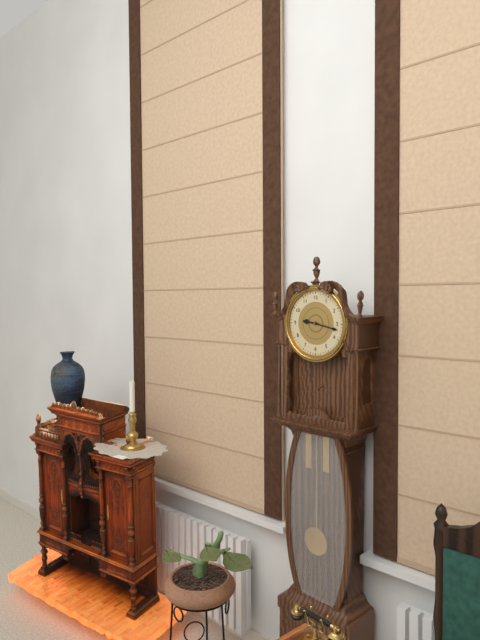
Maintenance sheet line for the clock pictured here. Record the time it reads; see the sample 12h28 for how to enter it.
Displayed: 9h17
